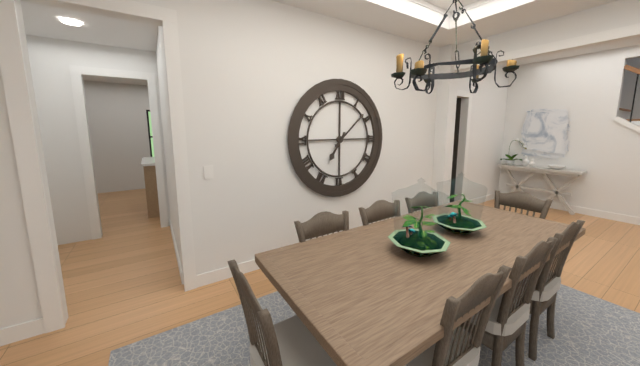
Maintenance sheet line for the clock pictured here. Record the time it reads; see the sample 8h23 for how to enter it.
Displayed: 7h08
